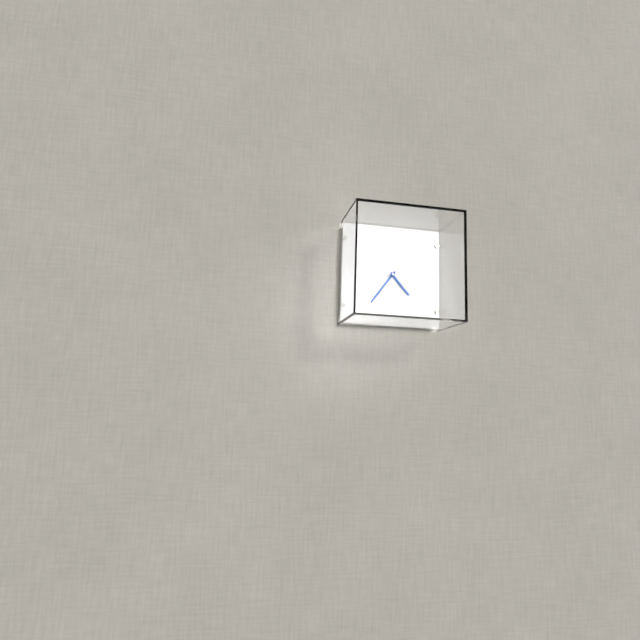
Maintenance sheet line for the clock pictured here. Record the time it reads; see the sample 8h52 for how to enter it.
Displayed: 4h36
